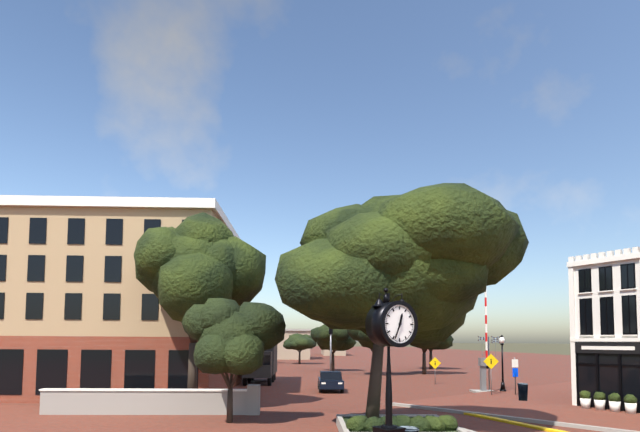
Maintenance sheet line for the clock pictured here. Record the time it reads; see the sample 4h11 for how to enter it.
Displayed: 12h34
